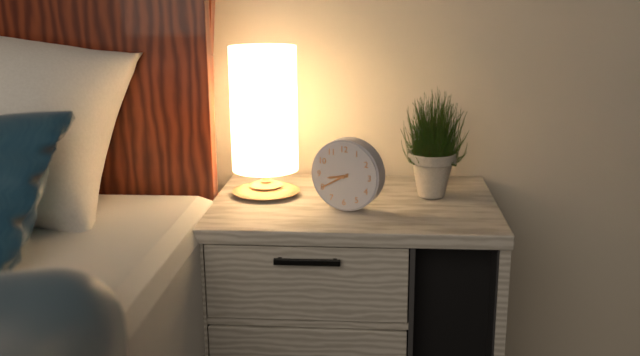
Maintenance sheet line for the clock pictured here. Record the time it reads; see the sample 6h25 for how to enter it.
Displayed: 8h40
